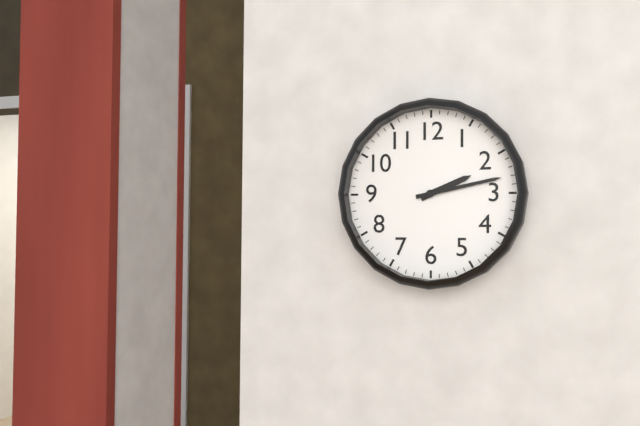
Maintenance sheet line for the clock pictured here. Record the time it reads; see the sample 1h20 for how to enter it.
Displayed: 2h13
